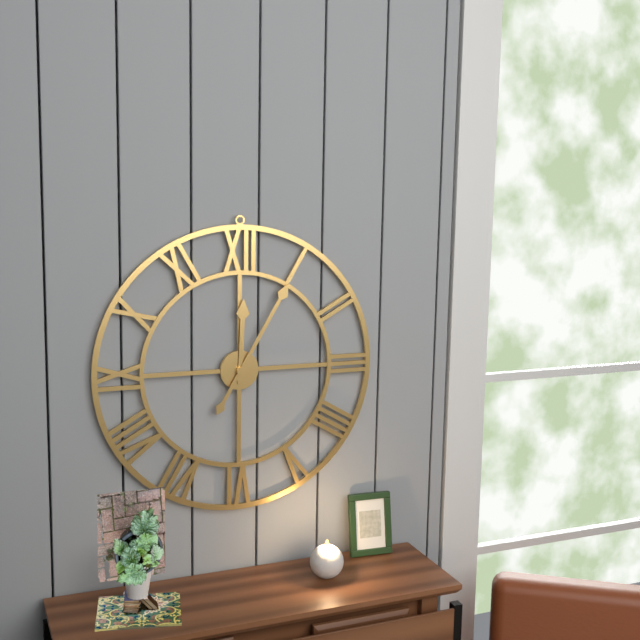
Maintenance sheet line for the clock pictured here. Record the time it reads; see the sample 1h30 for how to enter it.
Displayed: 12h05
